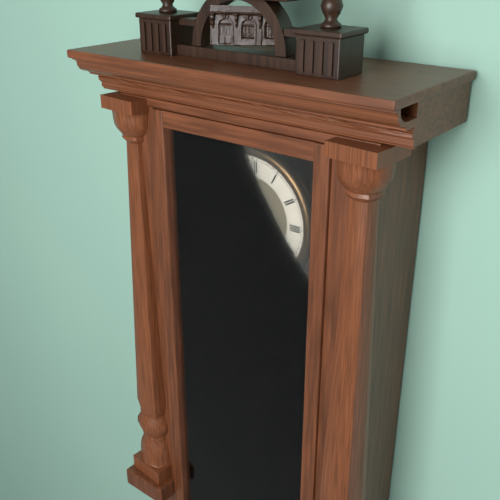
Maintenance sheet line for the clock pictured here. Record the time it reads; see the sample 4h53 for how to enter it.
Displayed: 4h45
